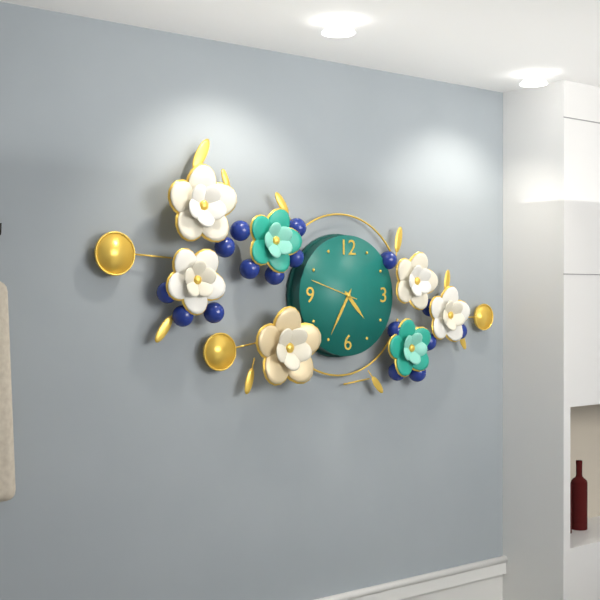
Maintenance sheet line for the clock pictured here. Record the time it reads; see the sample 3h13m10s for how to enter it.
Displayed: 4h35m48s
